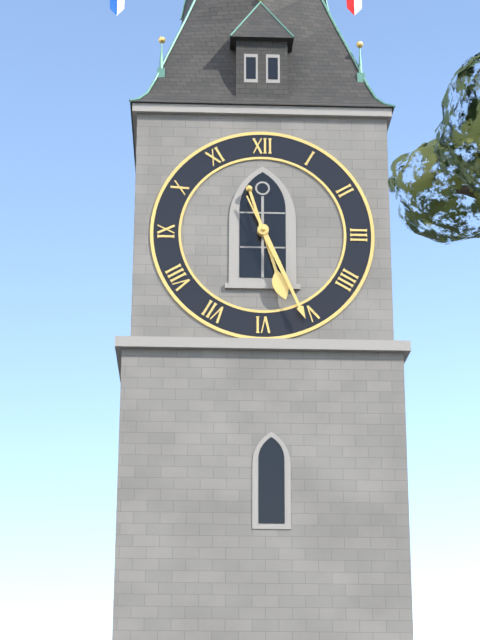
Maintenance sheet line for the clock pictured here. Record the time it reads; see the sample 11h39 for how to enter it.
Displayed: 5h26
